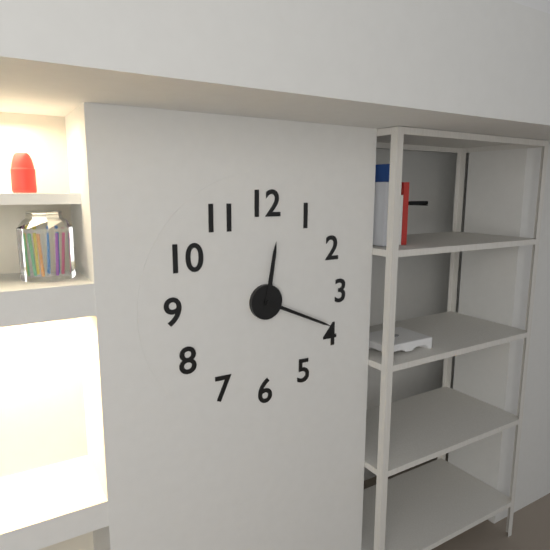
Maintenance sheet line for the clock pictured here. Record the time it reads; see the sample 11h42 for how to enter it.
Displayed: 12h19
